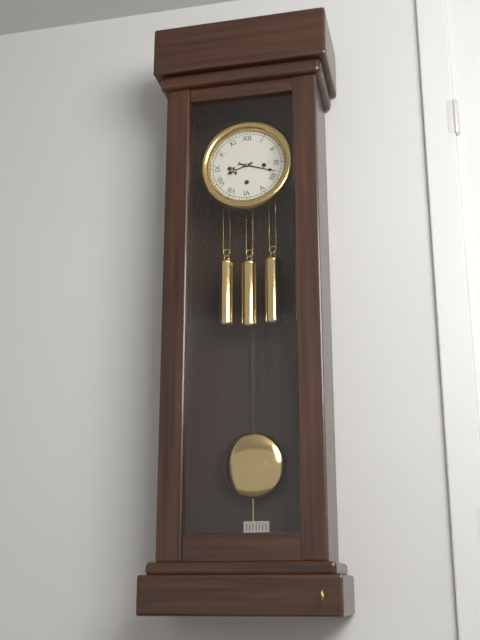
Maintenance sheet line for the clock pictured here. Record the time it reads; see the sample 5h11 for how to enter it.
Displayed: 8h18
